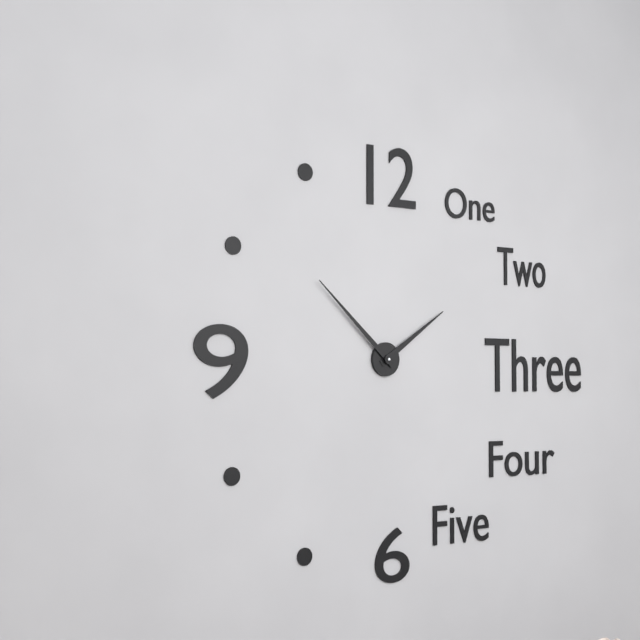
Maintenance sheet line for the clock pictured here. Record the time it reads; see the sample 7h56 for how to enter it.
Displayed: 1h52
